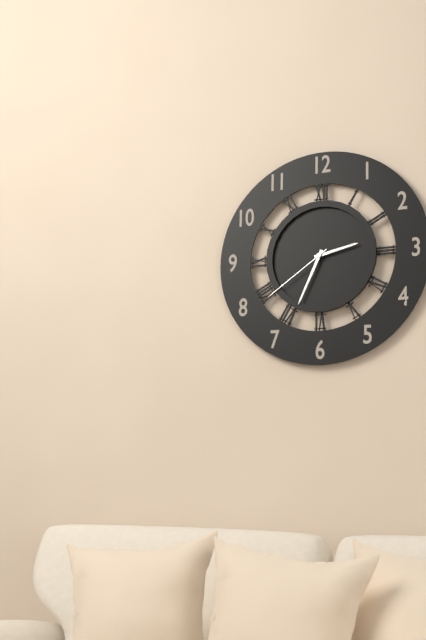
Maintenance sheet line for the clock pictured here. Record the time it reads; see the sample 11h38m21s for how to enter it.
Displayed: 2h34m39s
